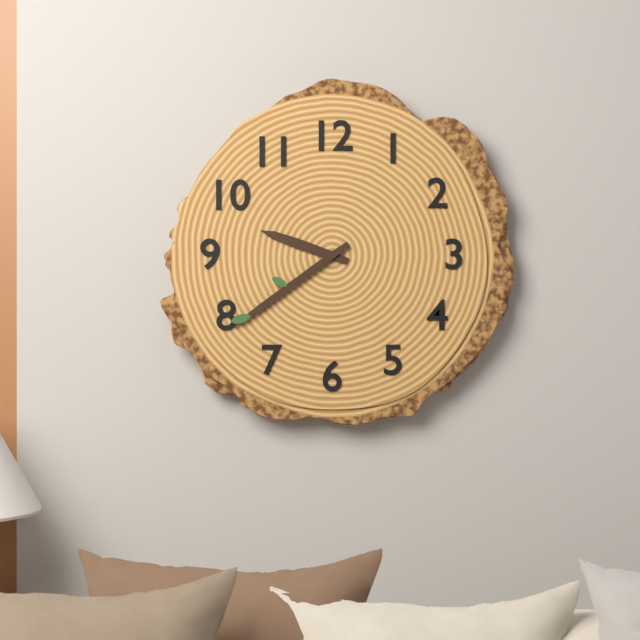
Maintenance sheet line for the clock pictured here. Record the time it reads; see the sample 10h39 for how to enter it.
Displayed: 9h39
